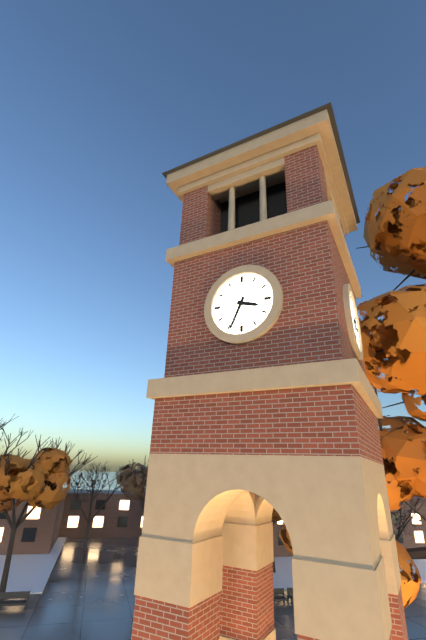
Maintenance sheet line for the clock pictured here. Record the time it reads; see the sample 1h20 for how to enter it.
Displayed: 3h34
